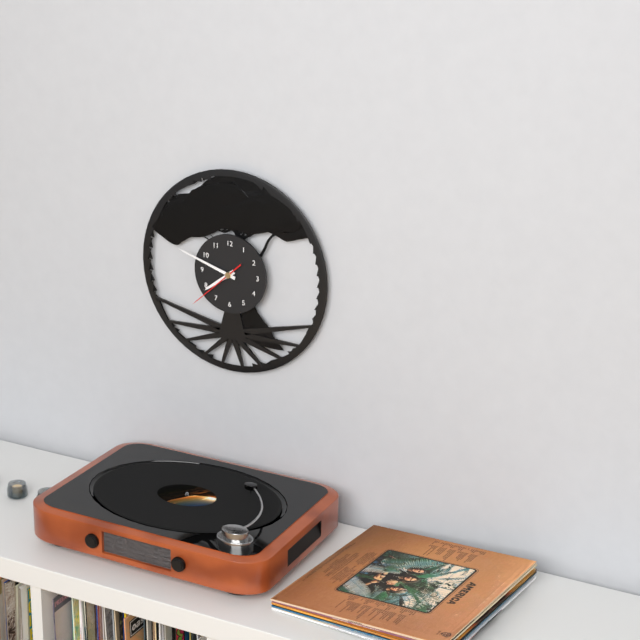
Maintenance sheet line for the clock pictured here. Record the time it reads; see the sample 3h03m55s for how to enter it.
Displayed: 7h48m38s
